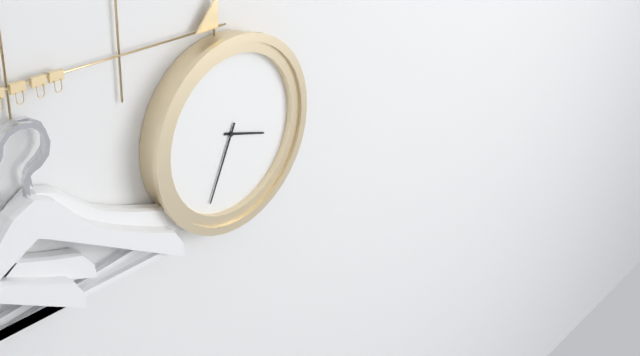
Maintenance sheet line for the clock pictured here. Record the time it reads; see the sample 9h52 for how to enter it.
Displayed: 3h34
